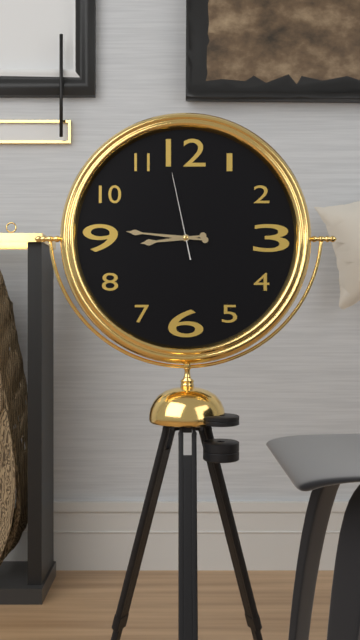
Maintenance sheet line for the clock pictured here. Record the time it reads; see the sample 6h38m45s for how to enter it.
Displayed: 8h46m58s
